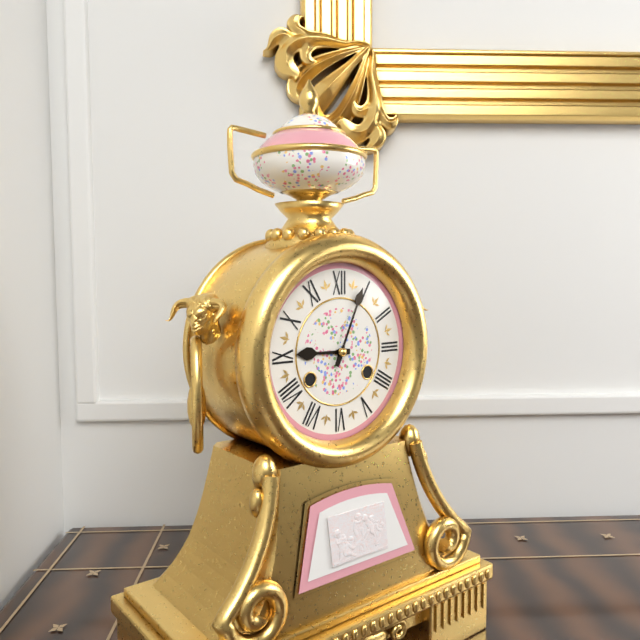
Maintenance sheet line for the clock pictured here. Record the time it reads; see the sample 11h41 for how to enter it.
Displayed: 9h04
